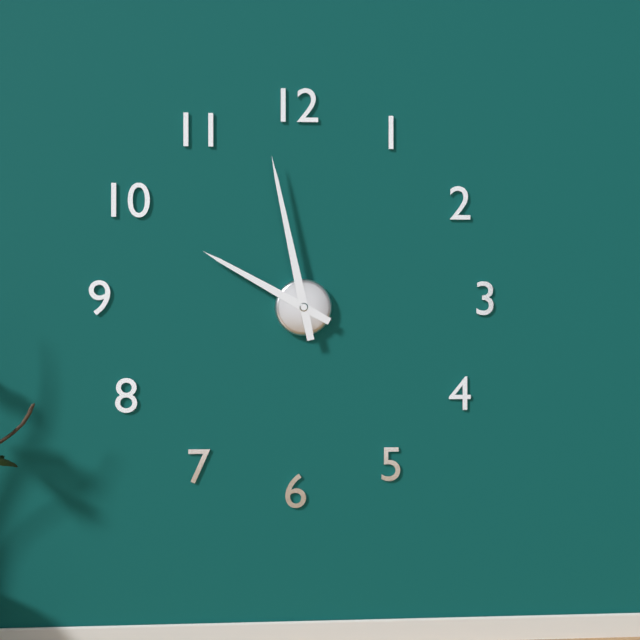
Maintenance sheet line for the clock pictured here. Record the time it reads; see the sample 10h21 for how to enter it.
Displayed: 9h58
